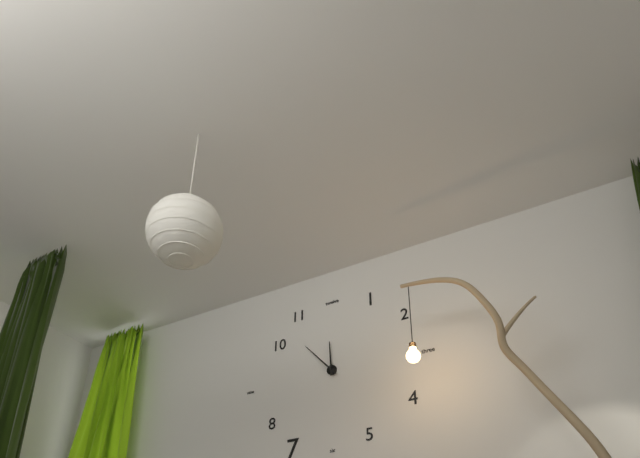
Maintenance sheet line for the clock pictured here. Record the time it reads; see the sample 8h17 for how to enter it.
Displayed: 11h53
